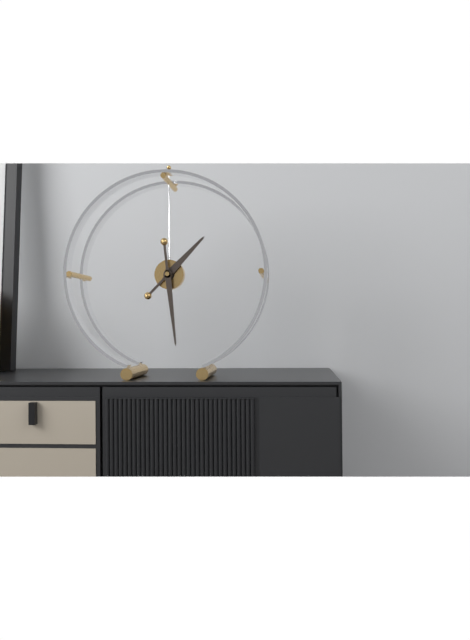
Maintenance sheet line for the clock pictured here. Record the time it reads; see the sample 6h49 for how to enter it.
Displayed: 1h29
